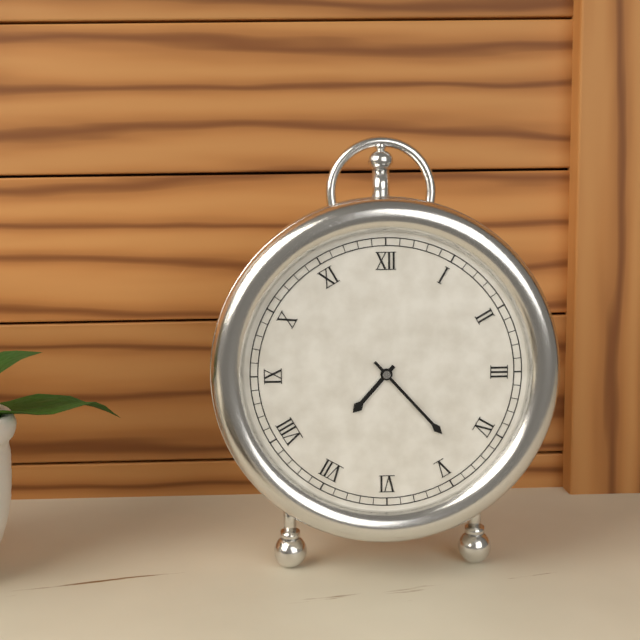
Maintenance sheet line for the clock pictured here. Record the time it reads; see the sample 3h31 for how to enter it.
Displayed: 7h23
